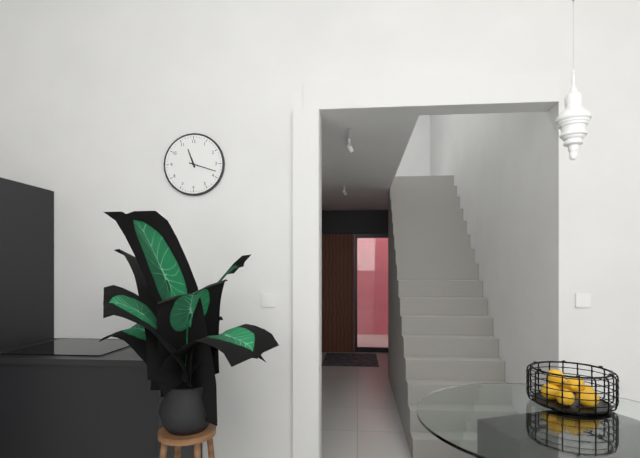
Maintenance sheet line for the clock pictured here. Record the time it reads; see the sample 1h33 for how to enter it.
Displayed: 11h18
